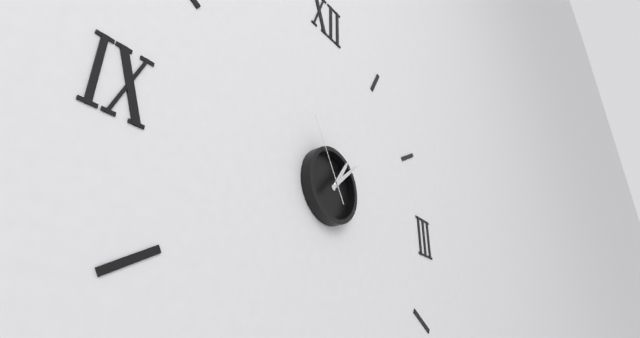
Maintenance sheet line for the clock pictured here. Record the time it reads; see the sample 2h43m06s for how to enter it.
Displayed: 1h08m55s
